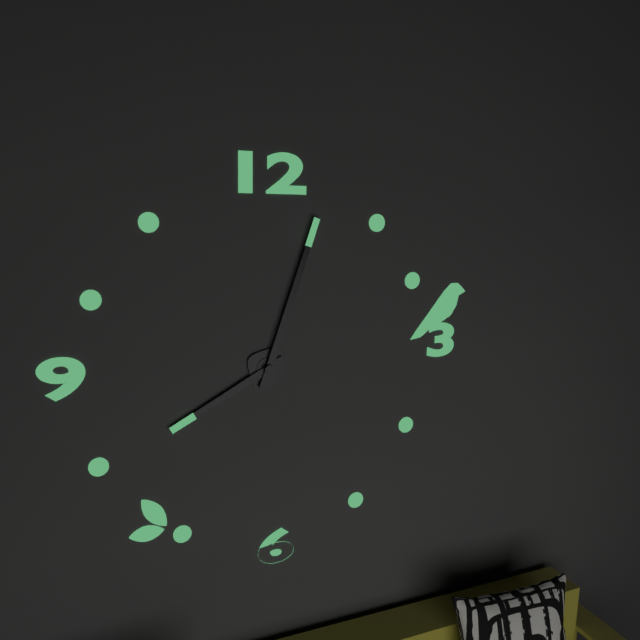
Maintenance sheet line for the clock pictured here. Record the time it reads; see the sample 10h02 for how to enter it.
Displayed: 8h03
